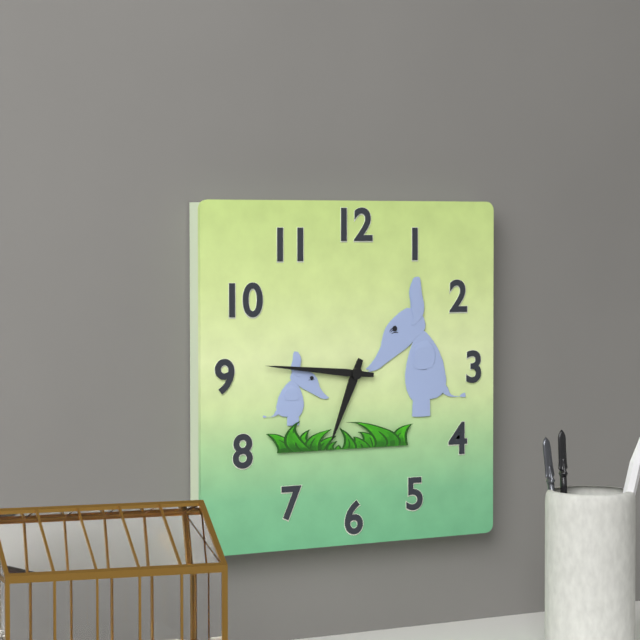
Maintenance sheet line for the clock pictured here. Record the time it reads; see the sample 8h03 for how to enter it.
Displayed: 6h46
